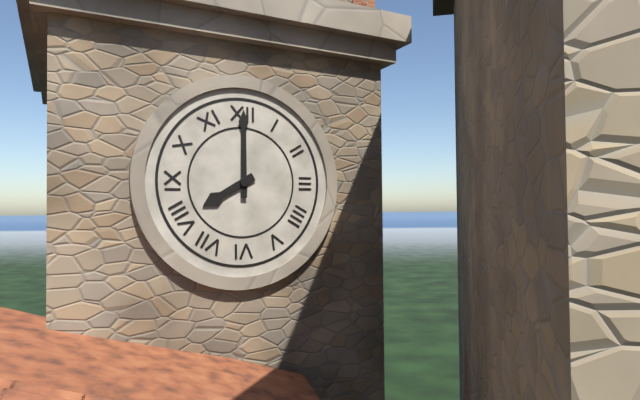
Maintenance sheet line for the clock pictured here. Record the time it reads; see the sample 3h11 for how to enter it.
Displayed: 8h00
